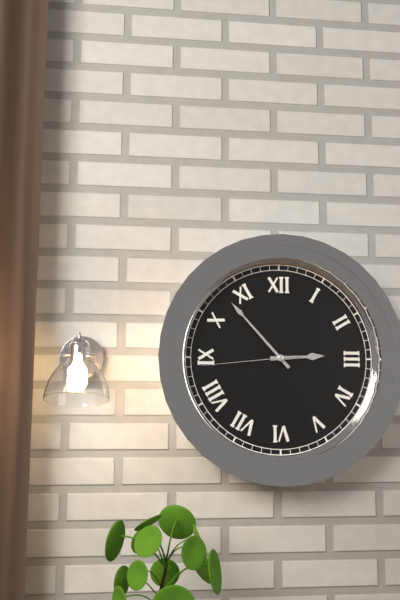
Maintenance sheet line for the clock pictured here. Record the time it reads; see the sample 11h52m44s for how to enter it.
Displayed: 2h53m44s
